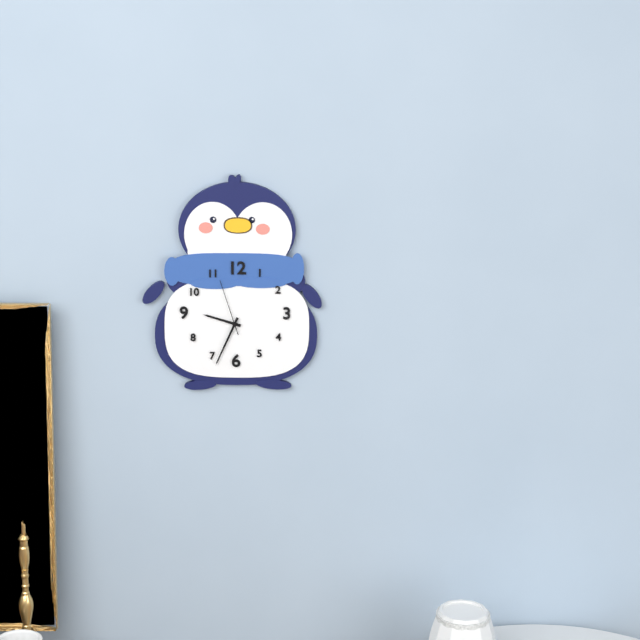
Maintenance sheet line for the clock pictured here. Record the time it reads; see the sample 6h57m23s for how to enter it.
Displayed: 9h34m57s
